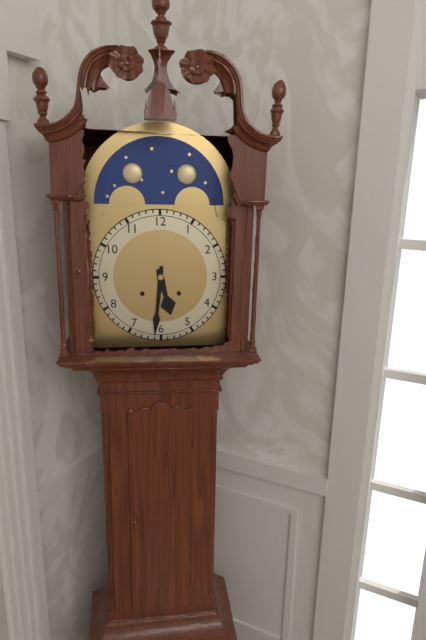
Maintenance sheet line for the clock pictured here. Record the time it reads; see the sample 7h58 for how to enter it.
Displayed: 5h31
